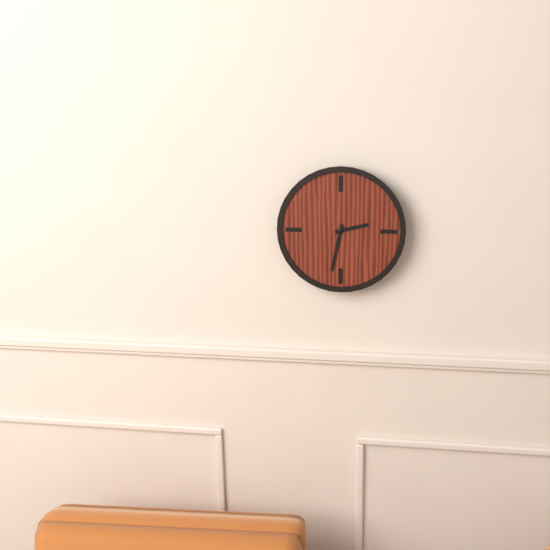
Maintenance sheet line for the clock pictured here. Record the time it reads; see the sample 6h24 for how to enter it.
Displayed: 2h32
